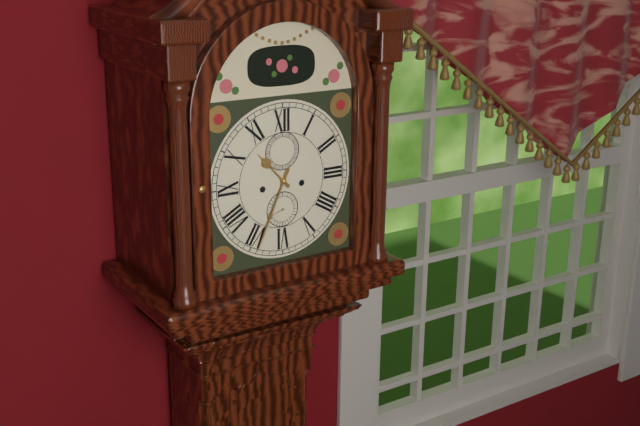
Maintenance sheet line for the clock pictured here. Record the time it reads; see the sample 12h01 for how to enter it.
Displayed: 10h34
